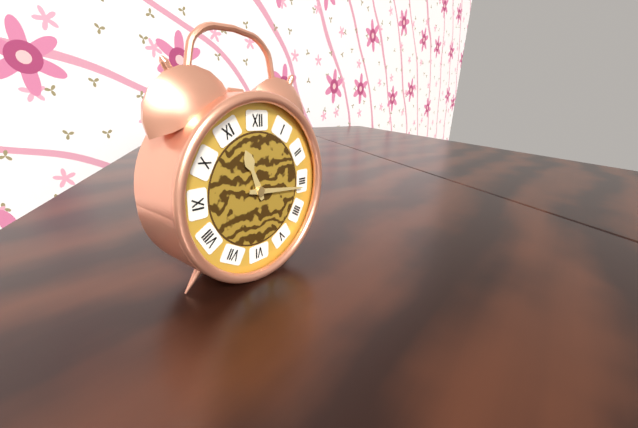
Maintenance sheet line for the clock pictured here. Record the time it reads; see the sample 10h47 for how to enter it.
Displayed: 11h16
